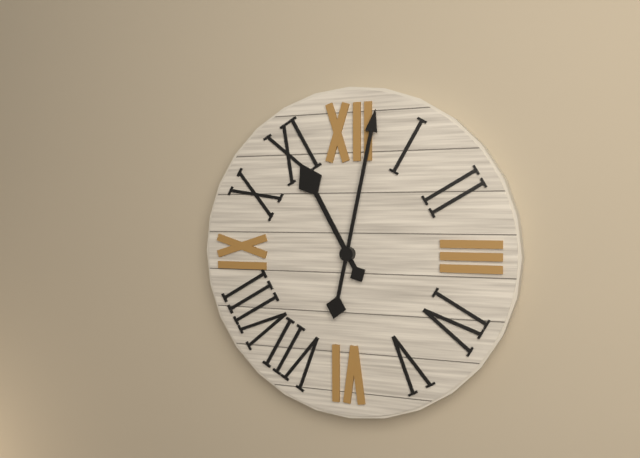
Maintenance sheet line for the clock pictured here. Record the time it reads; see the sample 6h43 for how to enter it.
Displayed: 11h02
